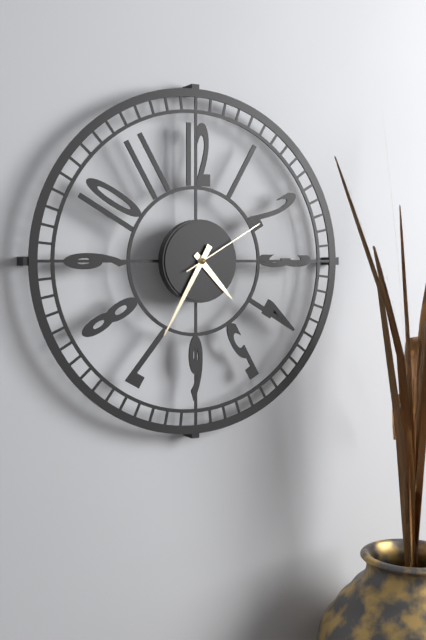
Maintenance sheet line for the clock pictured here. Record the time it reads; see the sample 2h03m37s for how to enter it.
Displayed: 4h35m10s
